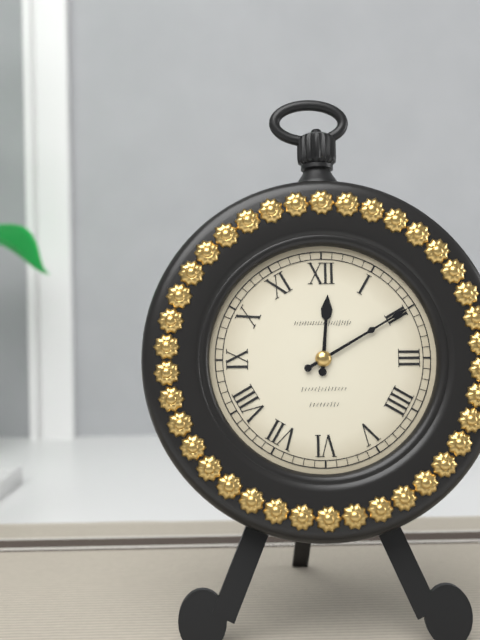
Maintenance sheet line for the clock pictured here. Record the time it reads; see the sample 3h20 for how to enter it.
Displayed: 12h10
